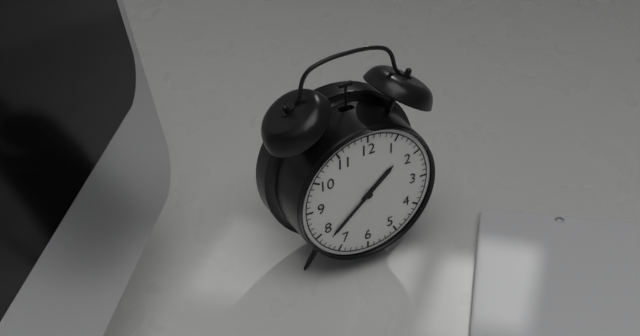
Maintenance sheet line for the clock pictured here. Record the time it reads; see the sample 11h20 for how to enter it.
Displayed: 1h38
